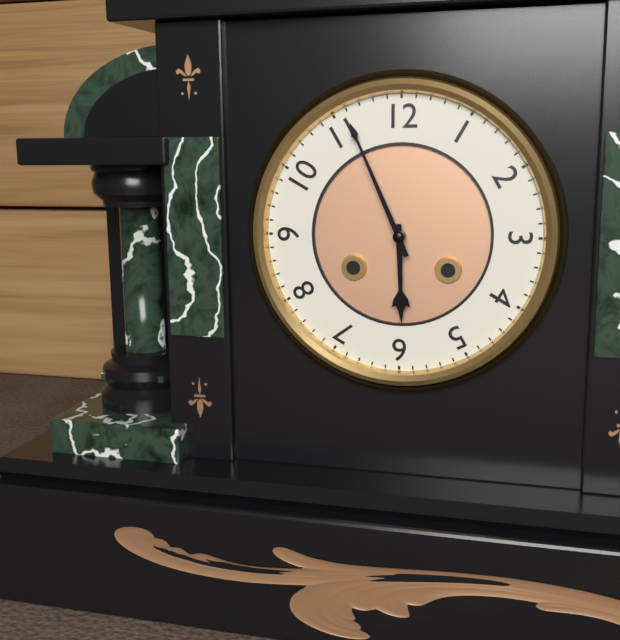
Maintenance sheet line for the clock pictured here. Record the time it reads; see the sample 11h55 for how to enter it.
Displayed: 5h56
